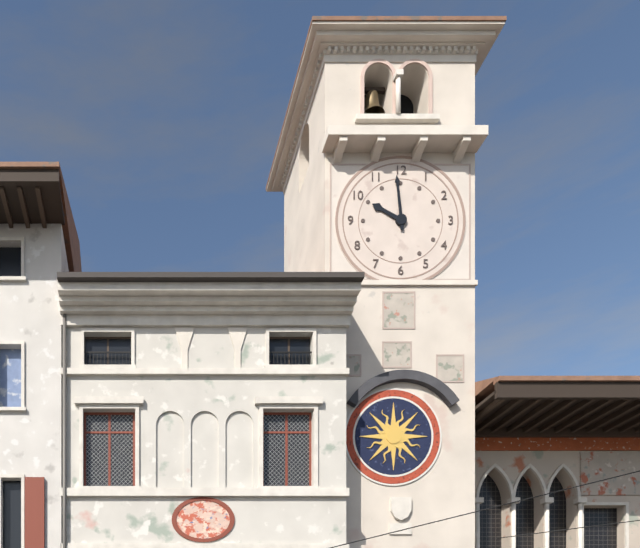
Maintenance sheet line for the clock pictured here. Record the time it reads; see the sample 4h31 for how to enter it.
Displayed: 9h59
